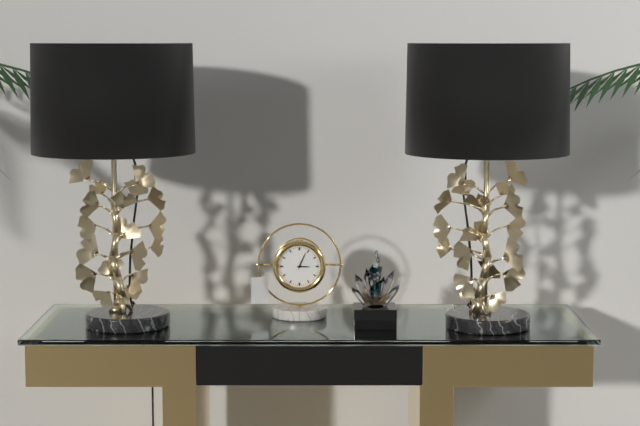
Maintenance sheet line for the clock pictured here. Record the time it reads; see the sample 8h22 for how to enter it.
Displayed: 3h04
